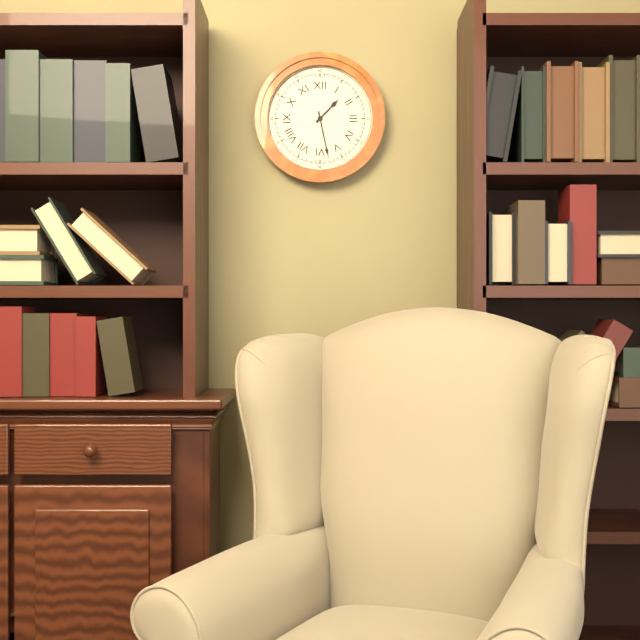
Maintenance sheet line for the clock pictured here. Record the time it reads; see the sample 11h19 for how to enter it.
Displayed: 1h28
